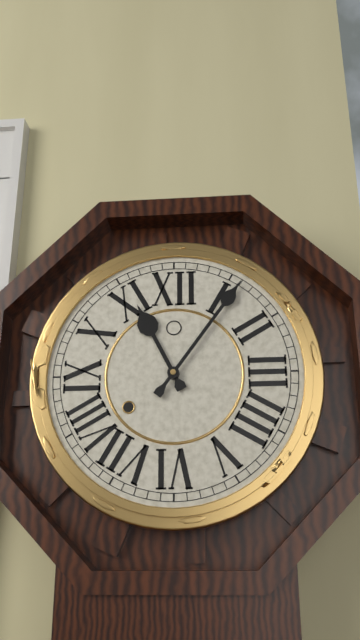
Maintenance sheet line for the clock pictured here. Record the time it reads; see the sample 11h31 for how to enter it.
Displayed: 11h06
